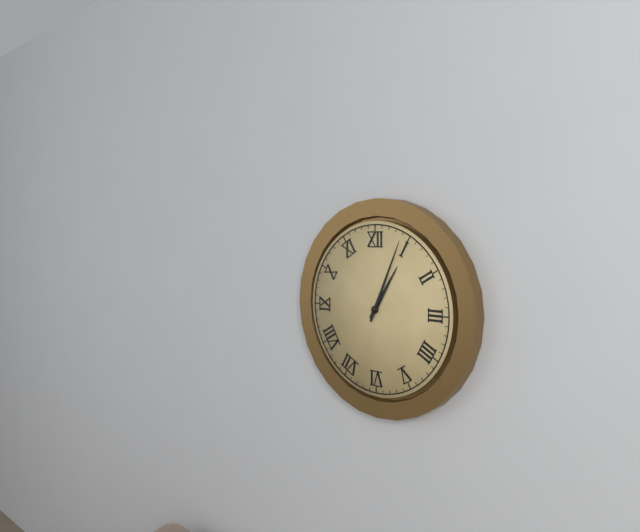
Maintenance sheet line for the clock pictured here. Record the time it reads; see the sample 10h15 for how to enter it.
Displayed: 1h04
